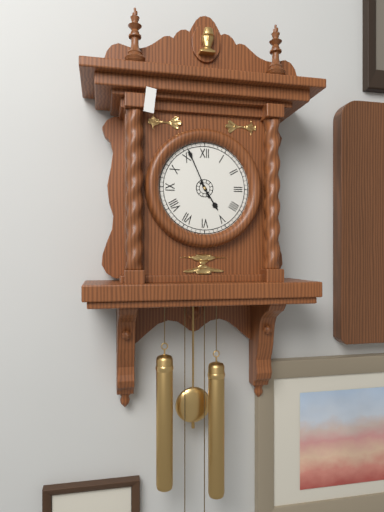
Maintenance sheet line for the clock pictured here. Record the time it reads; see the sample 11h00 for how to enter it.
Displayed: 4h56
